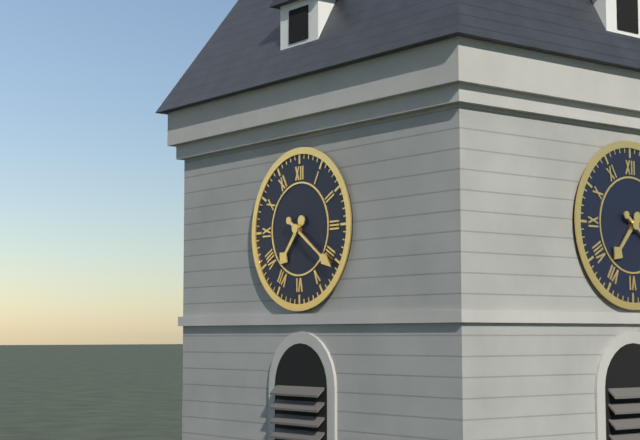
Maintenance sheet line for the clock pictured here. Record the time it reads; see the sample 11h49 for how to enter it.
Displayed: 7h21
